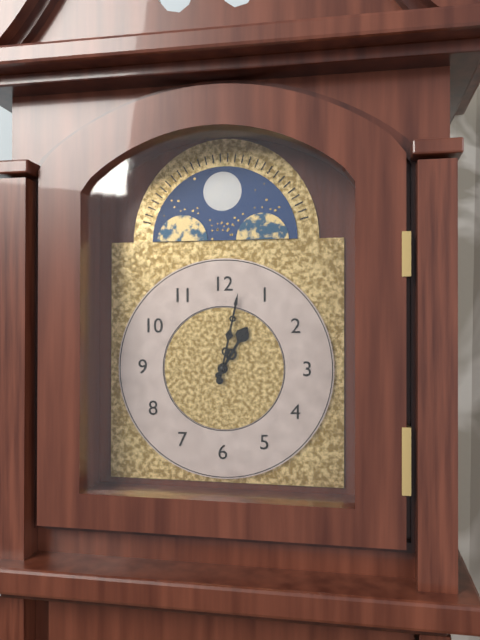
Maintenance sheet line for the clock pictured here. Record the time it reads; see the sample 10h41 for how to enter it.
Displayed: 1h02
